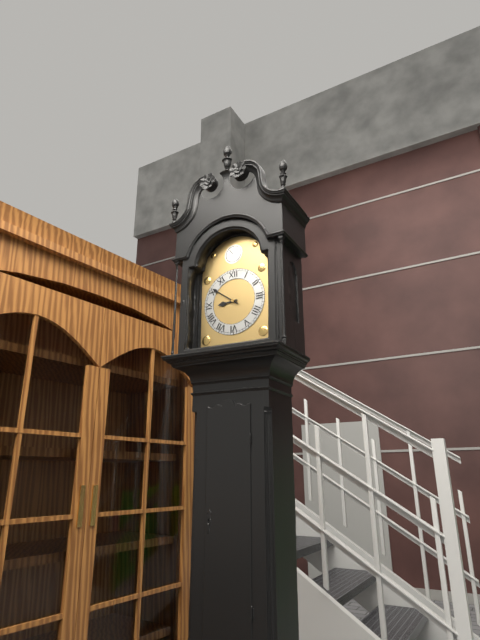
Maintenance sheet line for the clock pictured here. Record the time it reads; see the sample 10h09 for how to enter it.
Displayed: 8h51
